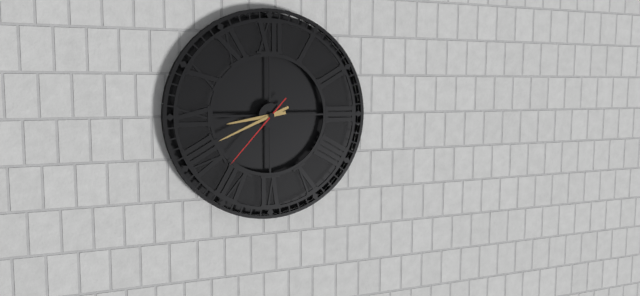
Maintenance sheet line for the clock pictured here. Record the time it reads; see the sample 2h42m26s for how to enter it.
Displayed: 8h41m37s
